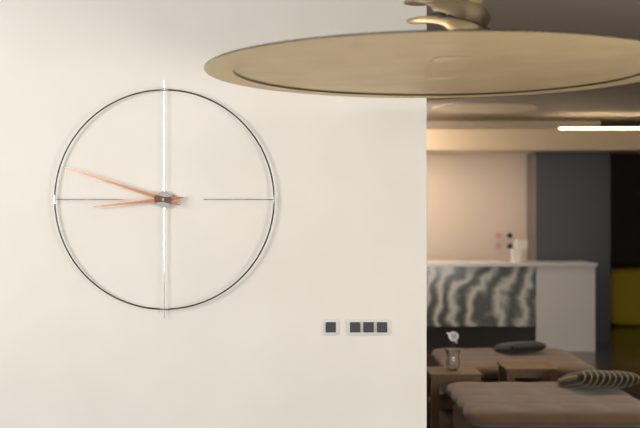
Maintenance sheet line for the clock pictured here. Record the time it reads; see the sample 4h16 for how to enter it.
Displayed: 8h48
